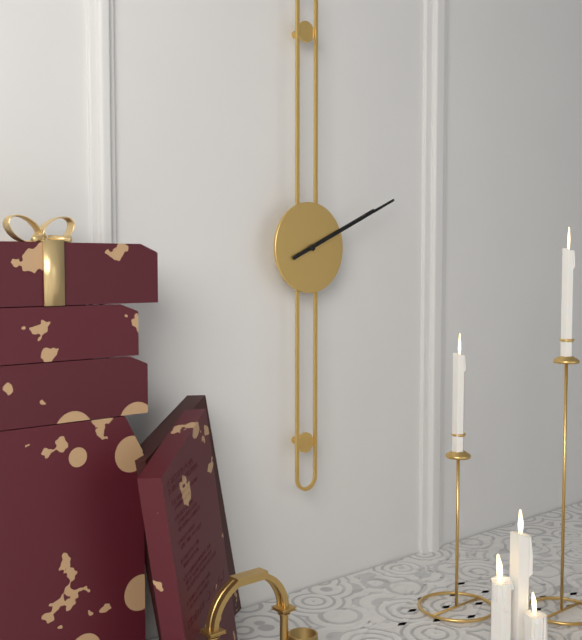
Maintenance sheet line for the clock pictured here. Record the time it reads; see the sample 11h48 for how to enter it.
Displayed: 2h11
